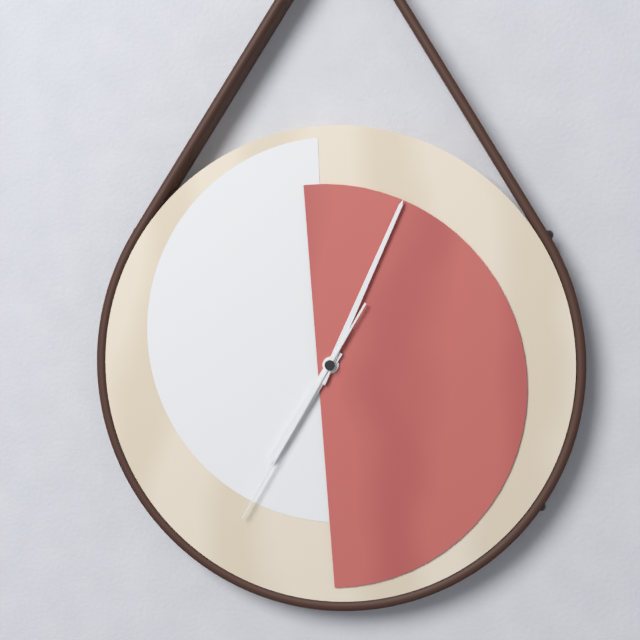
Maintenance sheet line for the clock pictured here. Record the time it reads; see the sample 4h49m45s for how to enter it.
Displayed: 7h04m35s
